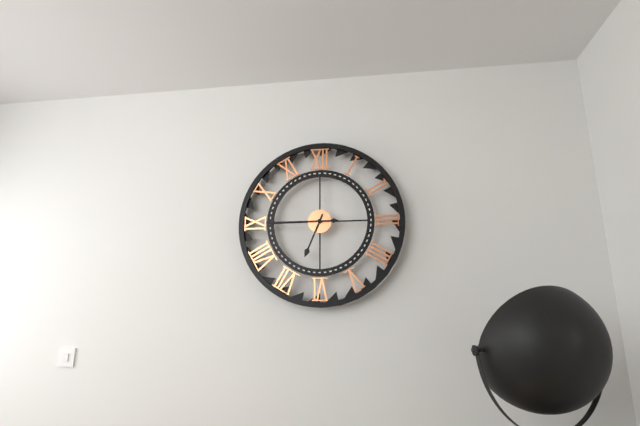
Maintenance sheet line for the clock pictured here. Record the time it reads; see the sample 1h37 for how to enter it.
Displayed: 6h45
